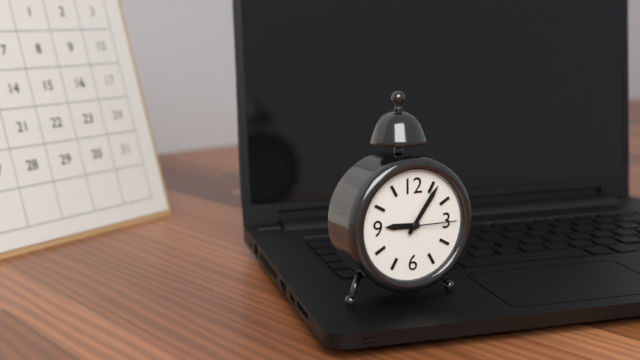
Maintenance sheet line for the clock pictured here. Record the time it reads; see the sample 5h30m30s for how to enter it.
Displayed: 9h06m15s
